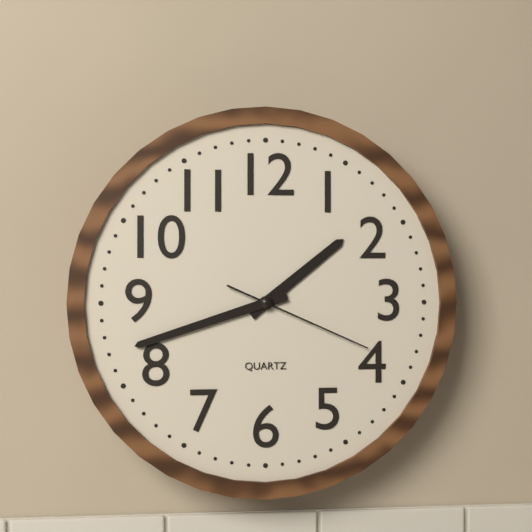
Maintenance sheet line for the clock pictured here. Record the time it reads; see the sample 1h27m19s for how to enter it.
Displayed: 1h42m19s
